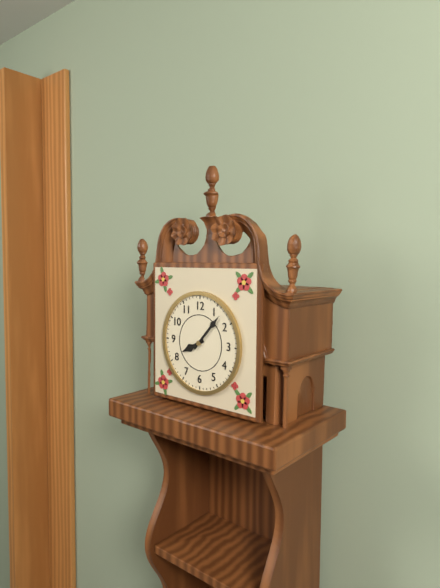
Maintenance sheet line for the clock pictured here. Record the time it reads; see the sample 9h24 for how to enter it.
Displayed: 8h07
